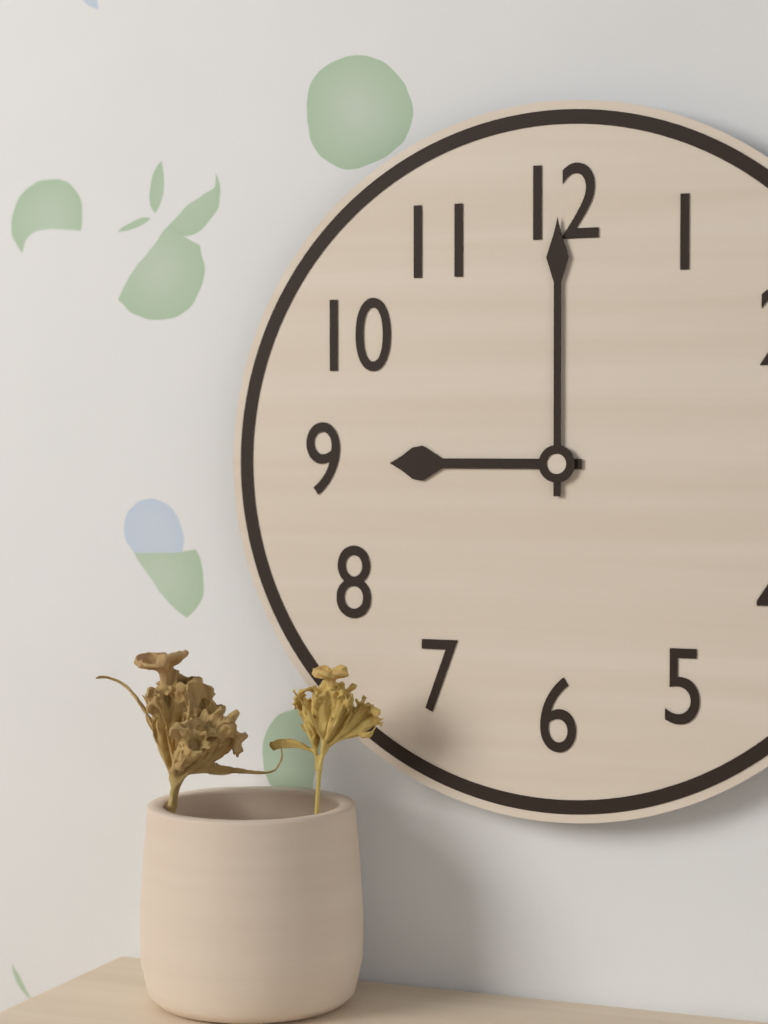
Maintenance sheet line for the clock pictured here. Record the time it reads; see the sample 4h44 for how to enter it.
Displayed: 9h00
